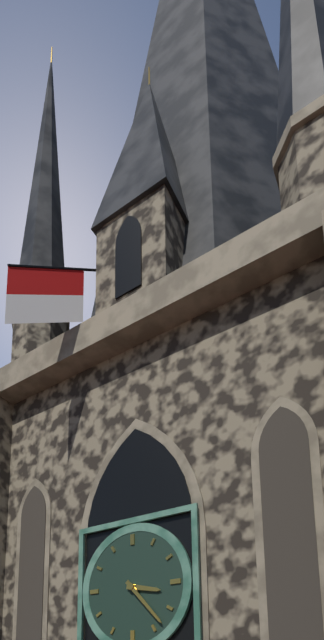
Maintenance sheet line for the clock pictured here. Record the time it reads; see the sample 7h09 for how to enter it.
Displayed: 3h23
